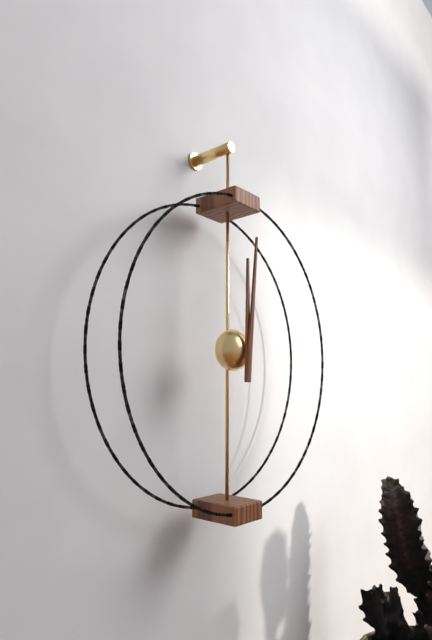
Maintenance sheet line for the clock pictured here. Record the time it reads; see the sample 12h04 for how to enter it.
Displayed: 12h01
